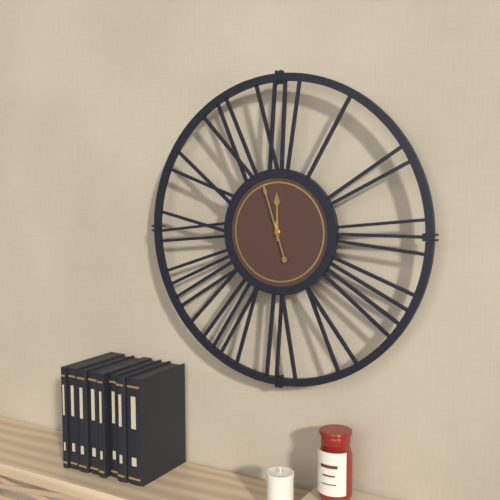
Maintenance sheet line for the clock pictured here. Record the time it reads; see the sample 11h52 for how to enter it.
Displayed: 11h57
